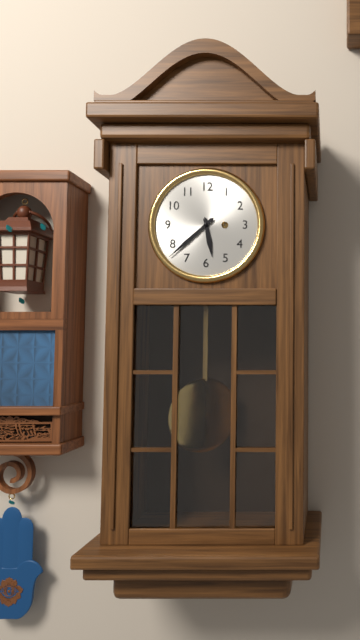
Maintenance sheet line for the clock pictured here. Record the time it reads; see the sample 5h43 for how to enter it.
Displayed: 5h38
